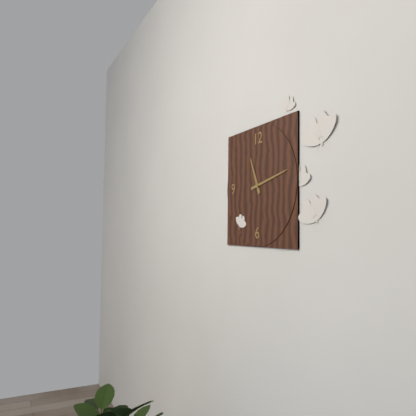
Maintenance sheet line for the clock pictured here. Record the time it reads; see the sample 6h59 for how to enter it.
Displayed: 11h13
